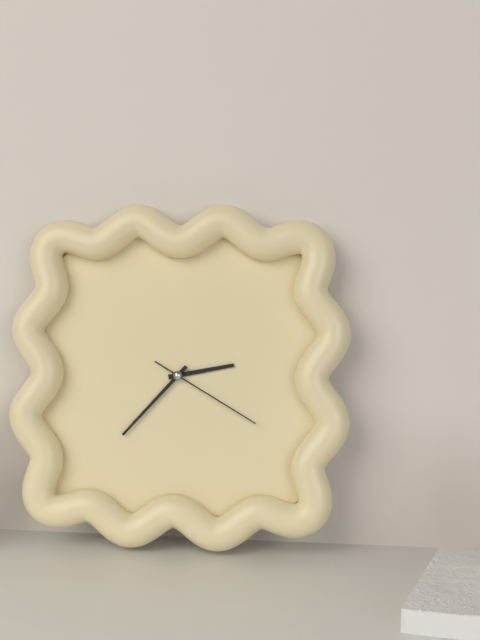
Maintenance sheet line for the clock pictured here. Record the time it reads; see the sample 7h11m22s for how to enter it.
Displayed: 2h37m20s
